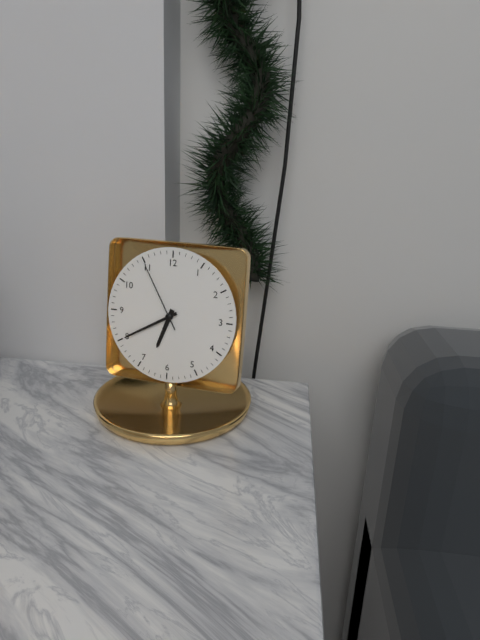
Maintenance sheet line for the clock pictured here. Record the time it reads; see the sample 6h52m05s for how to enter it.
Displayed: 6h40m55s
